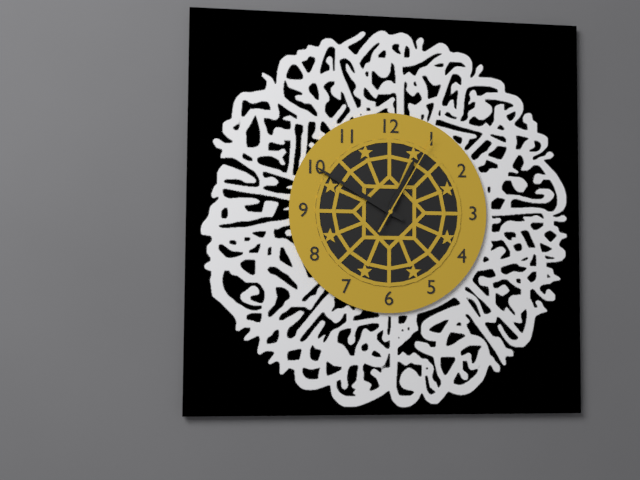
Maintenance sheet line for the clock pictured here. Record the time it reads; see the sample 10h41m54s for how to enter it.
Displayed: 12h50m05s
